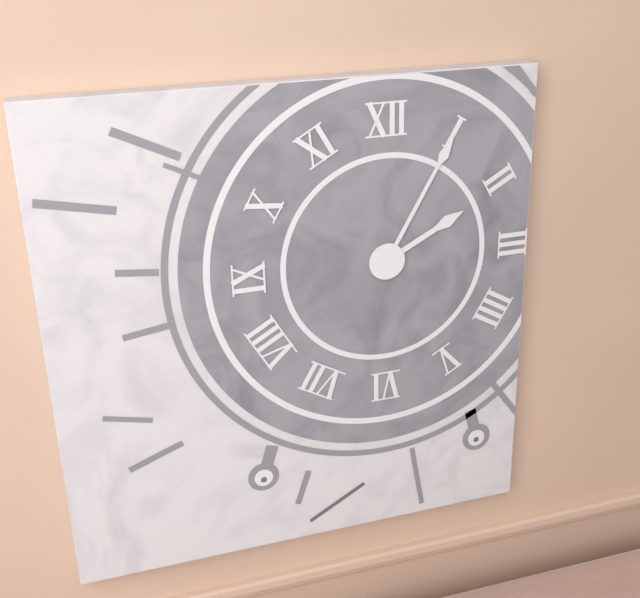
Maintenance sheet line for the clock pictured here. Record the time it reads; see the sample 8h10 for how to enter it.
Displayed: 2h05
